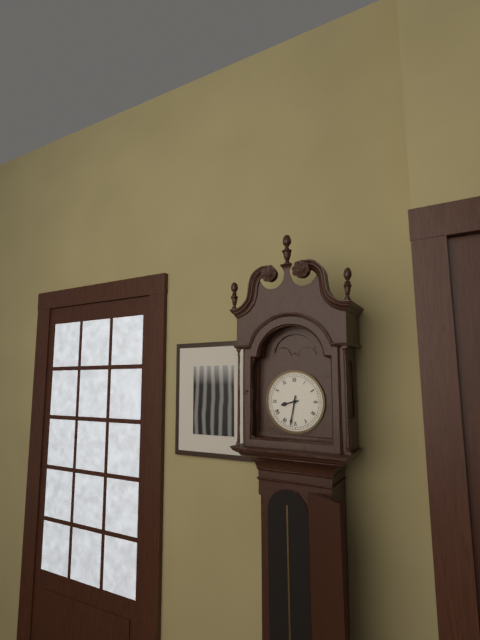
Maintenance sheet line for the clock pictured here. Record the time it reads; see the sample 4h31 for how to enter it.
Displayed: 8h32
